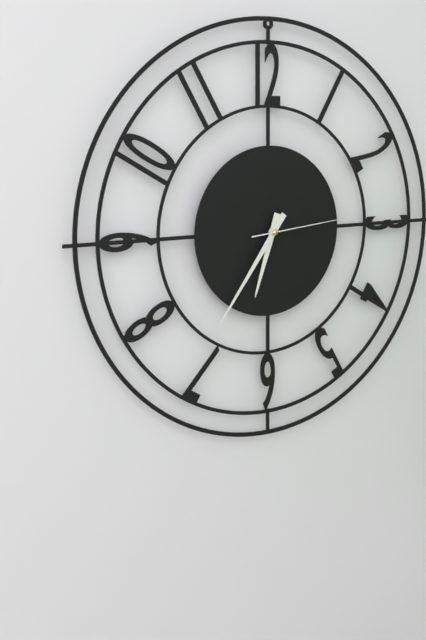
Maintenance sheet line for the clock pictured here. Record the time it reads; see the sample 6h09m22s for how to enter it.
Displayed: 6h36m14s
